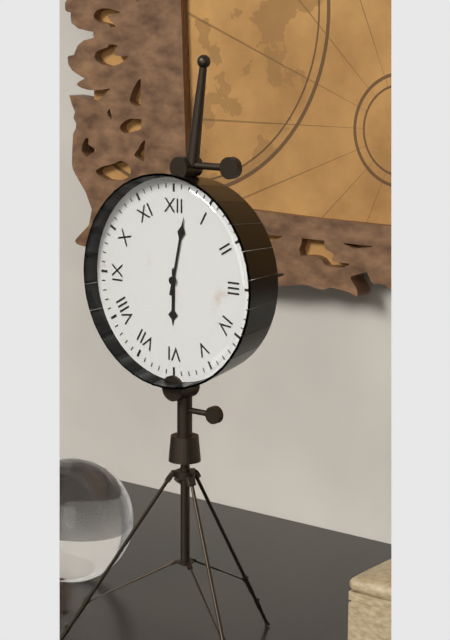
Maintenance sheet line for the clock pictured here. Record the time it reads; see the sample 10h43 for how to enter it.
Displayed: 6h02
